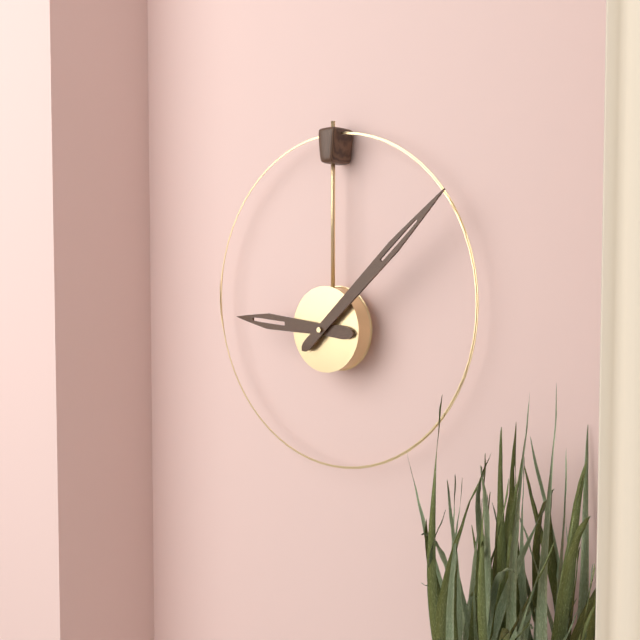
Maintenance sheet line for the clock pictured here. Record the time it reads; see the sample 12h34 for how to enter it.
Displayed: 9h08
